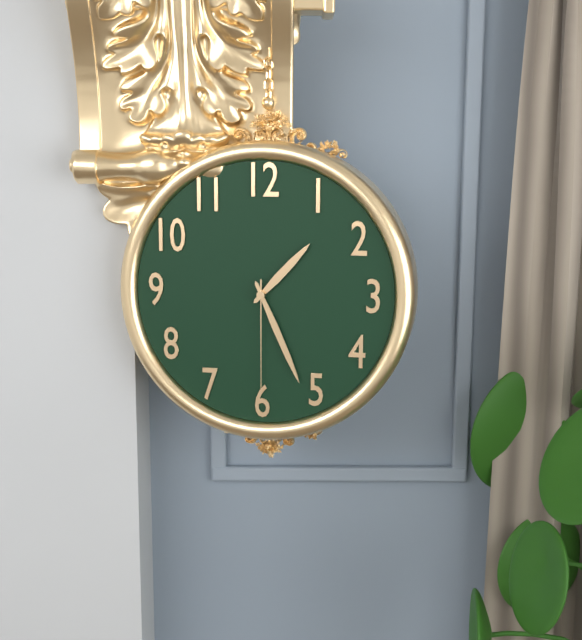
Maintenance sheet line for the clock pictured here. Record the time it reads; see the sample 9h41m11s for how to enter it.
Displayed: 1h26m30s
